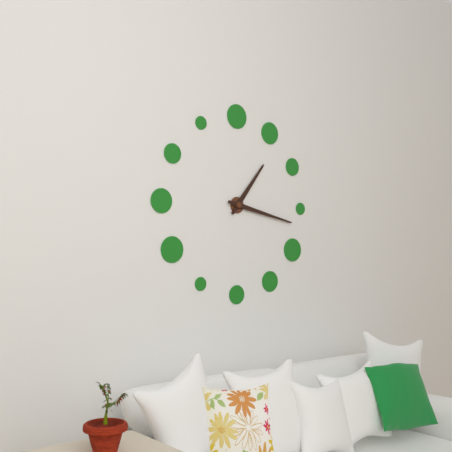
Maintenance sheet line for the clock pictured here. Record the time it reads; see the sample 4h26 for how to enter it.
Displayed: 1h17
